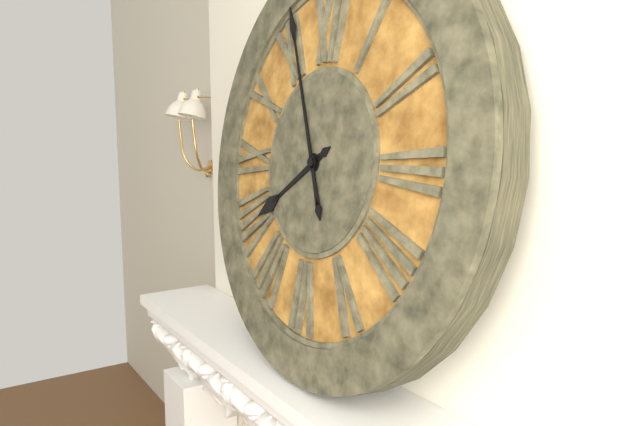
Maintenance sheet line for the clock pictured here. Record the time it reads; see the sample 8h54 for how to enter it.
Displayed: 7h56
